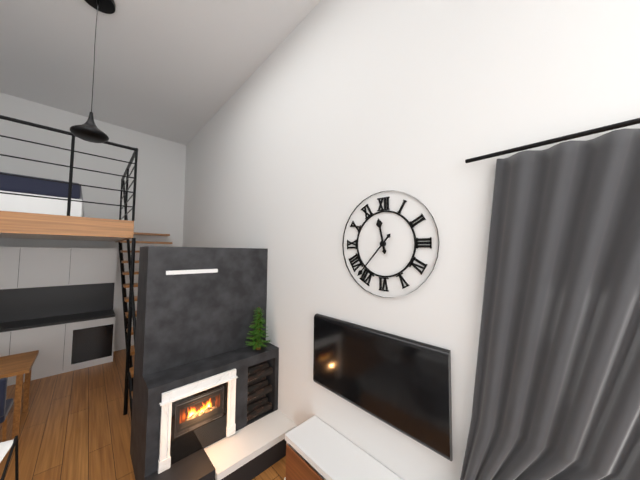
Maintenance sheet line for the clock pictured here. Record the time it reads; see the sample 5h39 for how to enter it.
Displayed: 11h37
